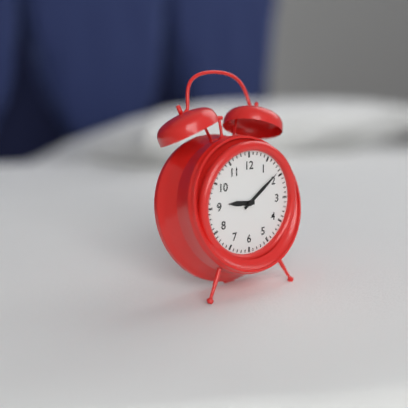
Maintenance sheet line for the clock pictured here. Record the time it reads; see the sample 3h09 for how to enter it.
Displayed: 9h09
